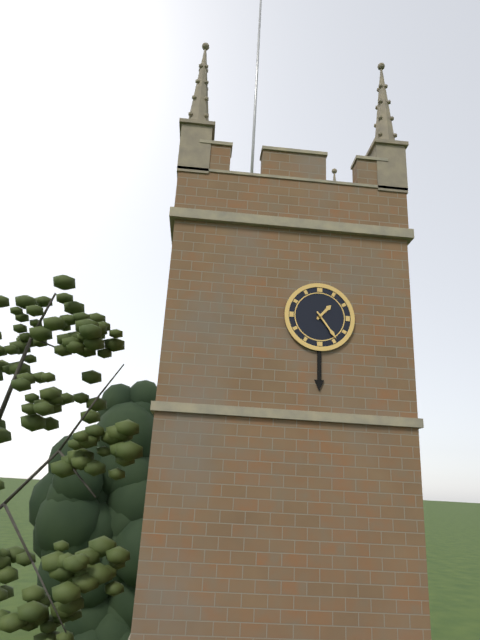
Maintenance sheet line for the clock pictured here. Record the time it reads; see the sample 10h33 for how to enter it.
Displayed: 1h24
